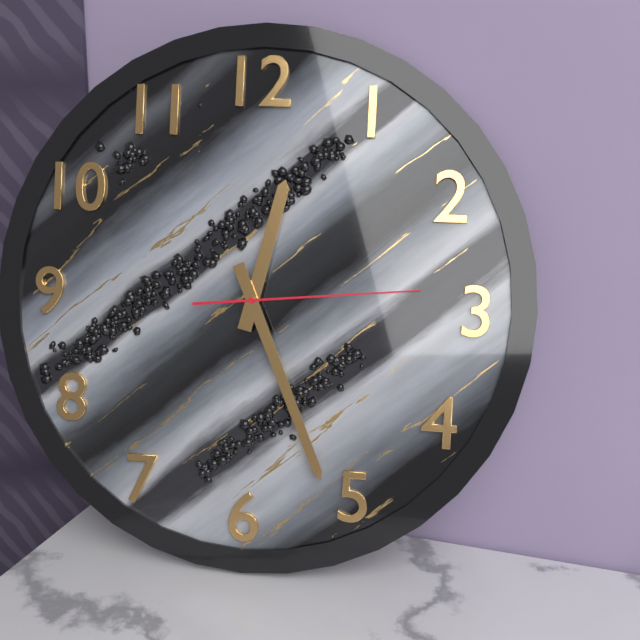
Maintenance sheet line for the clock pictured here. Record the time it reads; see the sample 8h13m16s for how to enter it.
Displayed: 12h26m14s
